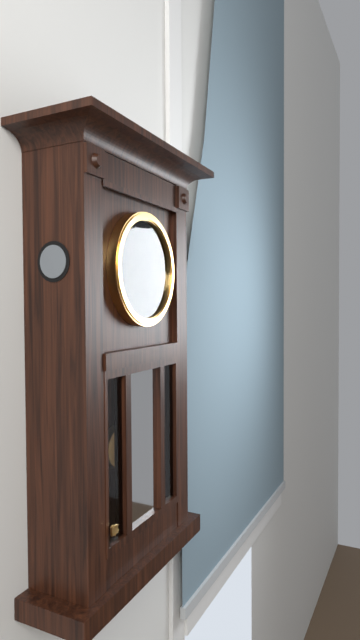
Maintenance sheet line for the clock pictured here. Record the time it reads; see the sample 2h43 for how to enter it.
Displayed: 3h56
